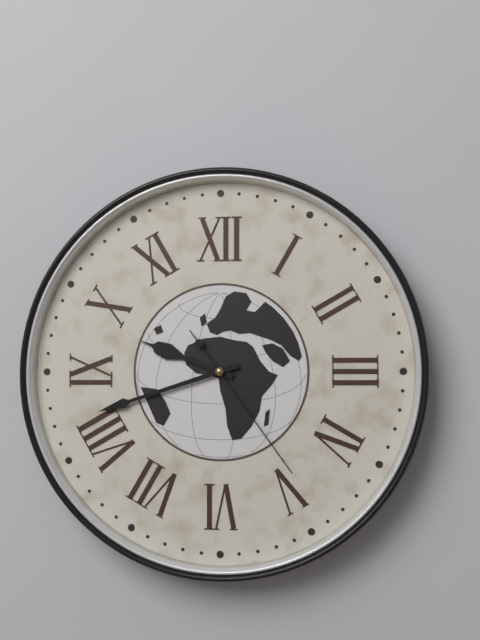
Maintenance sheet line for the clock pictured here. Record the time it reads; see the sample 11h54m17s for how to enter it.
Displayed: 9h42m24s
